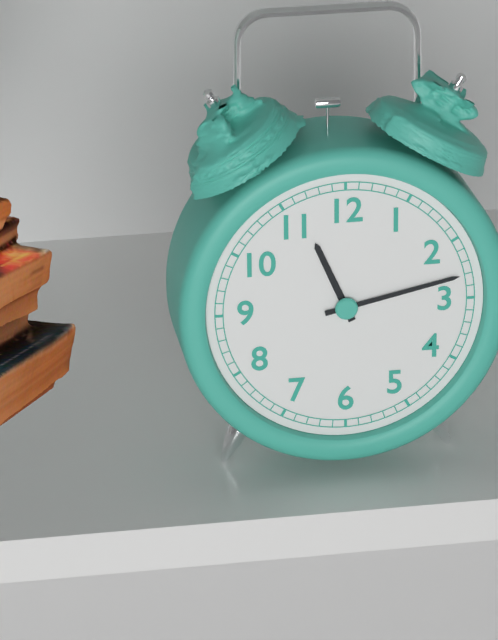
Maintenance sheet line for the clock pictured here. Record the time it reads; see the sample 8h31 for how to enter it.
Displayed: 11h13
